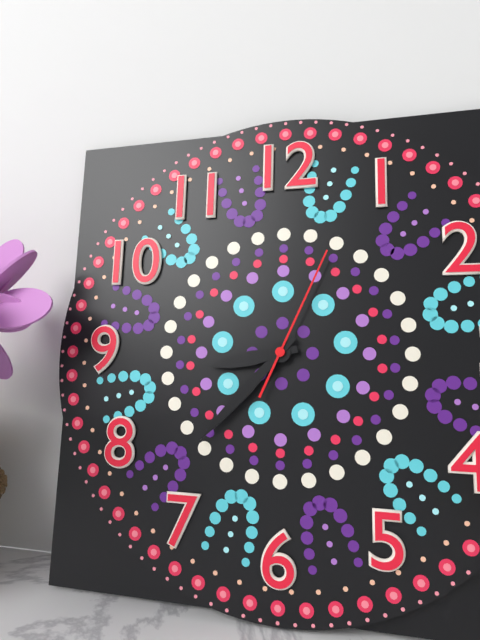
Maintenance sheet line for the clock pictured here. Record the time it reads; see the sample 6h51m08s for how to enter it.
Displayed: 8h37m04s
